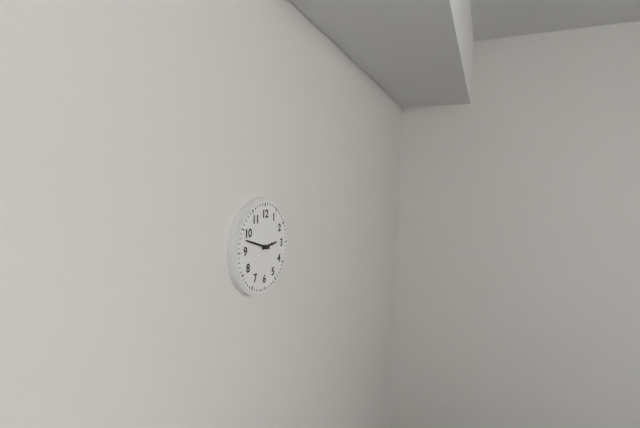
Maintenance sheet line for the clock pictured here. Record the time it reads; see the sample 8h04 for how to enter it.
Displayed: 2h48
